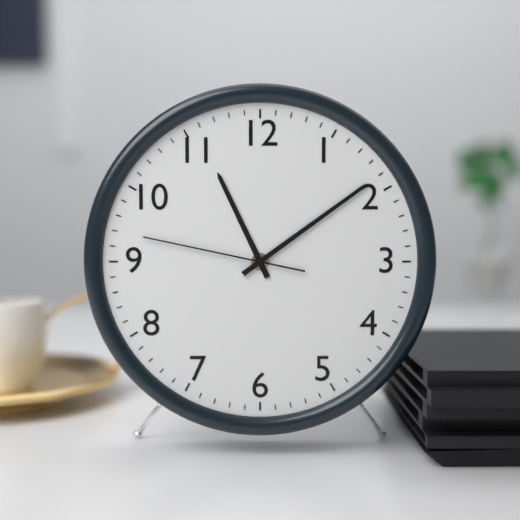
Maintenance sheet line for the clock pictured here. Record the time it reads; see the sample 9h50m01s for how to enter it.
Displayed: 11h09m47s
